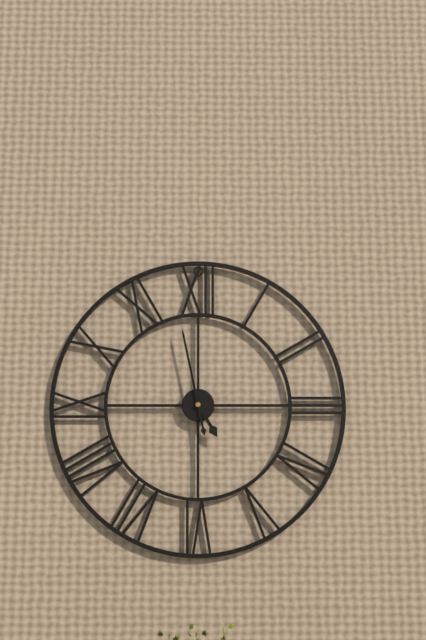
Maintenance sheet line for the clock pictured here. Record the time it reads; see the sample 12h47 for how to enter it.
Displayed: 4h58
